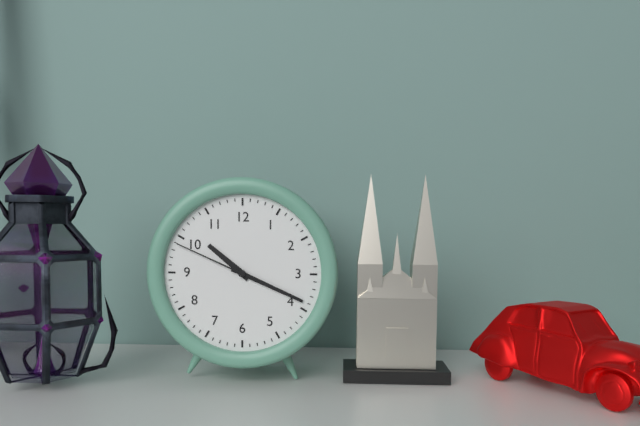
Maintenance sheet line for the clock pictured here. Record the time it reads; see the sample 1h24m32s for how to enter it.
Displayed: 10h19m49s
